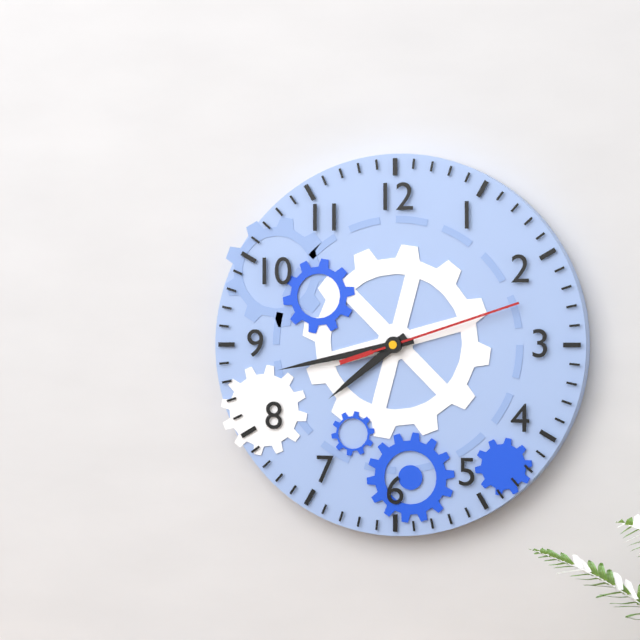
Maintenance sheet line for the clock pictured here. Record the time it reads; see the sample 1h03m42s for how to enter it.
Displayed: 7h43m12s
